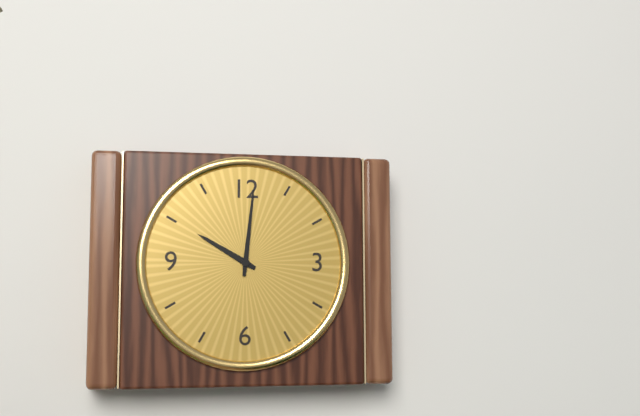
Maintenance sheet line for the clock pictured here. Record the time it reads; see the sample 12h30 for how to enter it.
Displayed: 10h01
